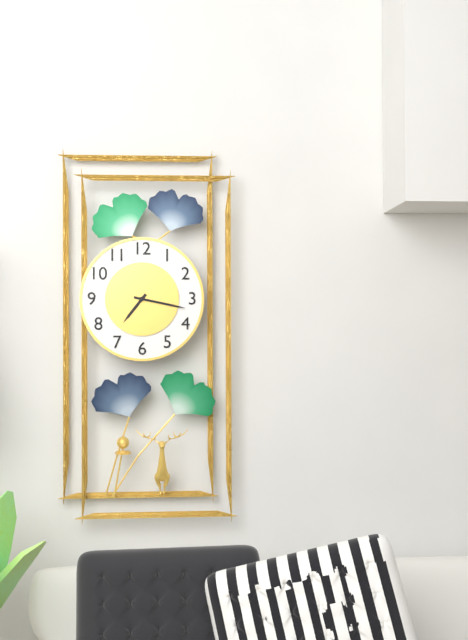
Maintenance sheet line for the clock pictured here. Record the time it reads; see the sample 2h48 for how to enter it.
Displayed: 7h17
